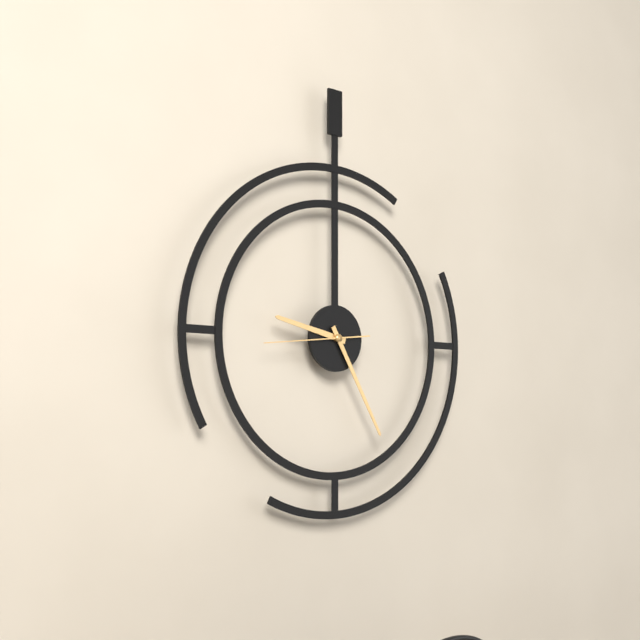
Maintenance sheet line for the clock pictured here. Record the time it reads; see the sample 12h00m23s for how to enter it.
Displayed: 9h25m44s
